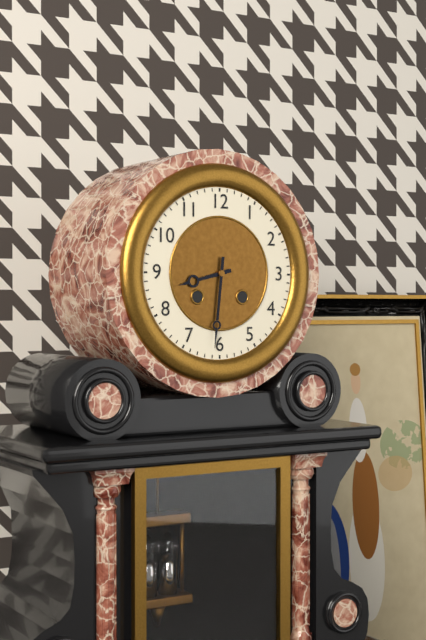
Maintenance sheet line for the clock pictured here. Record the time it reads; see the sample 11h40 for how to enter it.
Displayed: 8h31
